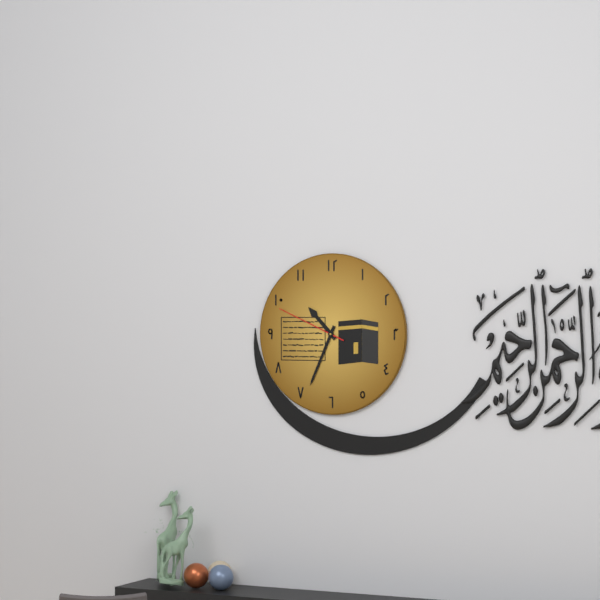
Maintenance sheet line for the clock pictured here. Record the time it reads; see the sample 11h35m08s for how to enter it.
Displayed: 10h34m49s
